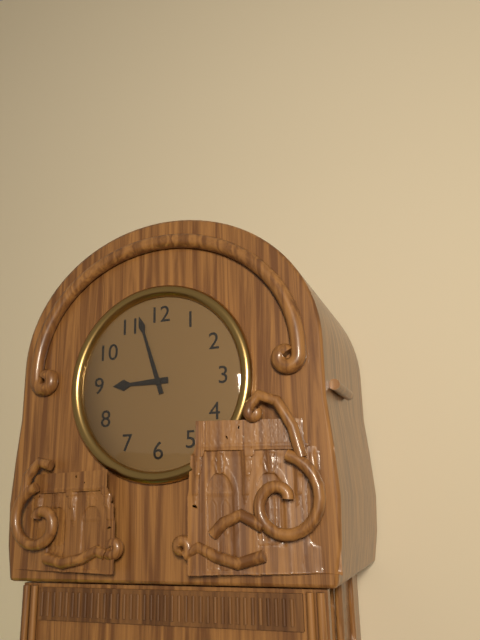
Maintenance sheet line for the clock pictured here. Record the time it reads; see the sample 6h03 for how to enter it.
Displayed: 8h57
